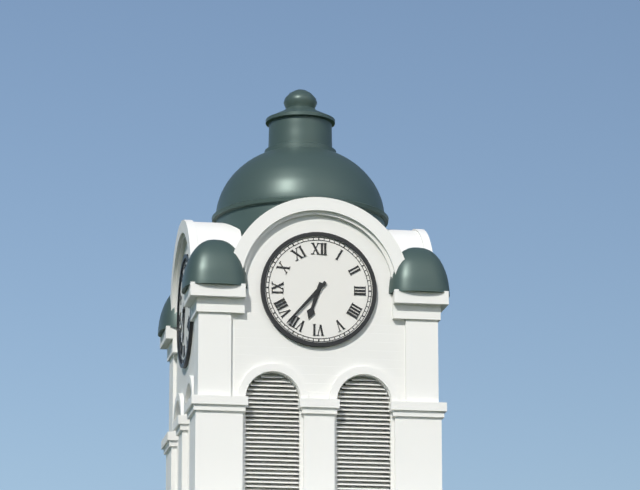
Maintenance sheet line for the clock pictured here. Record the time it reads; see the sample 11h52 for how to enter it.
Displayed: 6h37
